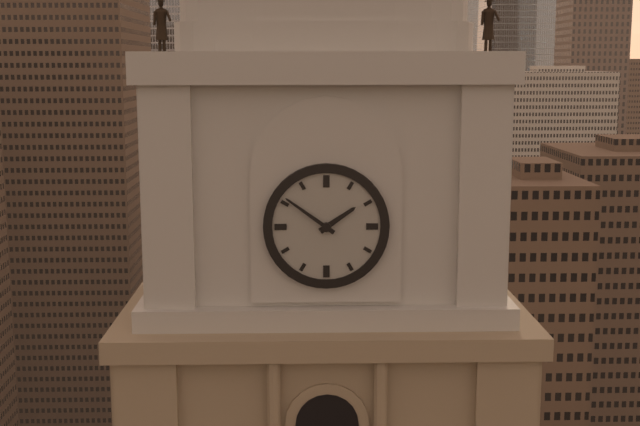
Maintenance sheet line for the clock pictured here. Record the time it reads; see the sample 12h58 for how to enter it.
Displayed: 1h51
